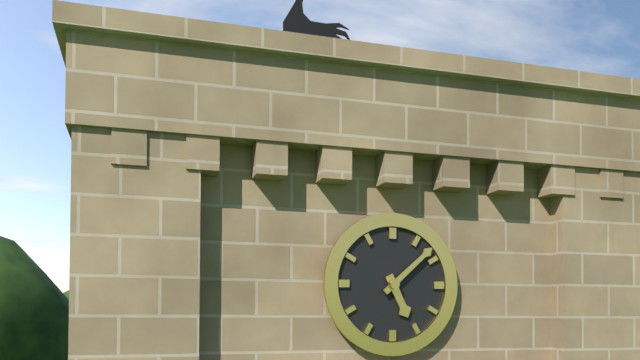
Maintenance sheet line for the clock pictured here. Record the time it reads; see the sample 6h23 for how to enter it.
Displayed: 5h08
